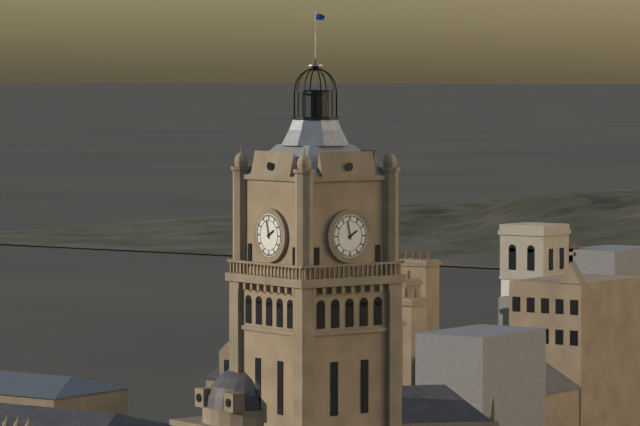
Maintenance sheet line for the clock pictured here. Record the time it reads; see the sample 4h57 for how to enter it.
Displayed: 1h58
